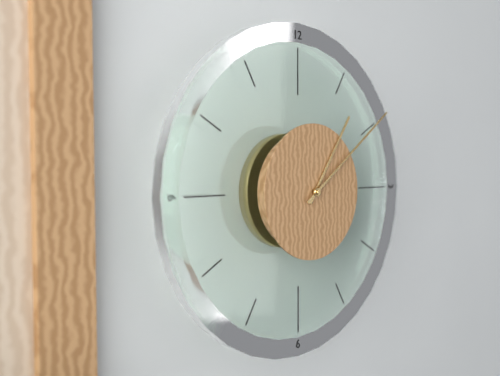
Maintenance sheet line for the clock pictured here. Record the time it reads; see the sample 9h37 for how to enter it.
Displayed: 1h09
